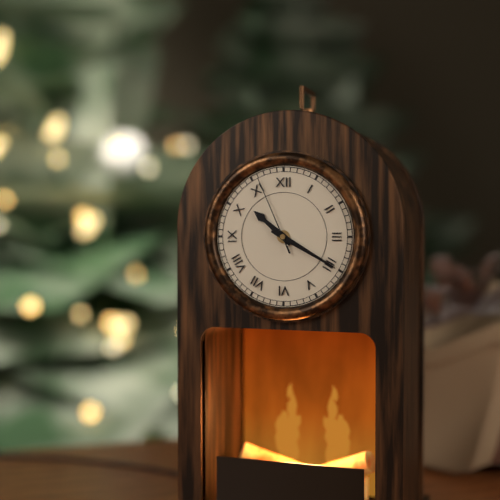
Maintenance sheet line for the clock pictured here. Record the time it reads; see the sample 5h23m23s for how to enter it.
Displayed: 10h20m56s
